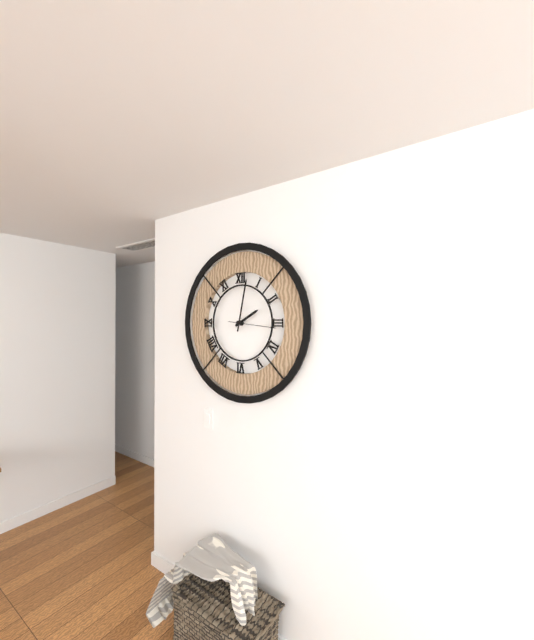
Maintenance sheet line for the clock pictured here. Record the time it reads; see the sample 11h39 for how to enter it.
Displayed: 2h02
